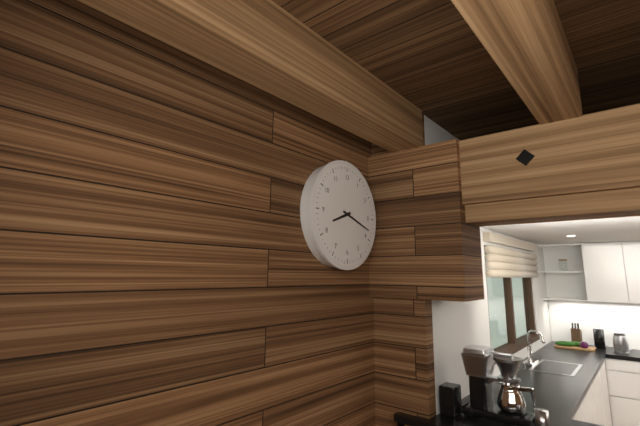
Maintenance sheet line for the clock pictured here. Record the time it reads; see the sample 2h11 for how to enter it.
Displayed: 8h18
